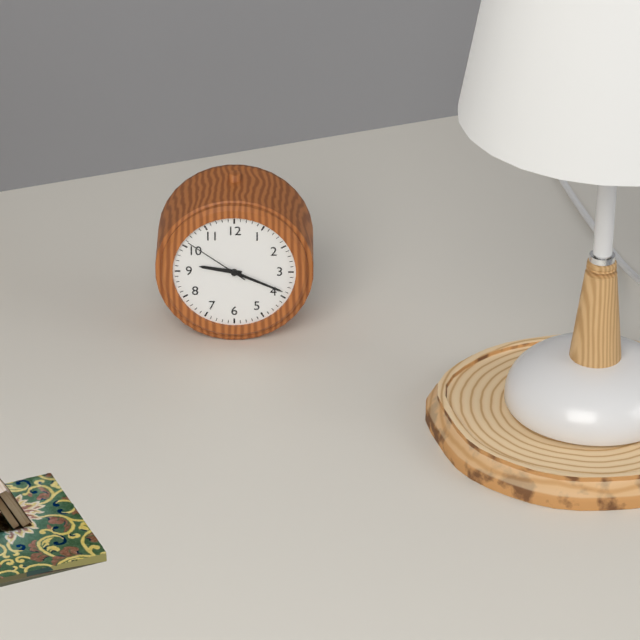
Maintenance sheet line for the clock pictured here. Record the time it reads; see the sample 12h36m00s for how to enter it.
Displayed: 9h19m51s
